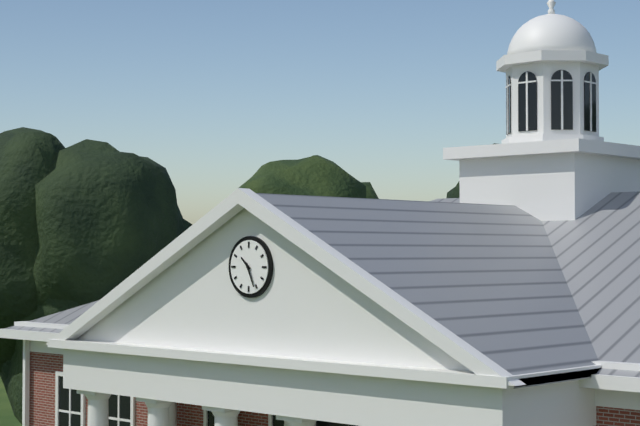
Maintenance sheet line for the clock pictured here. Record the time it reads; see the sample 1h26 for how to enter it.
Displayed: 10h26
